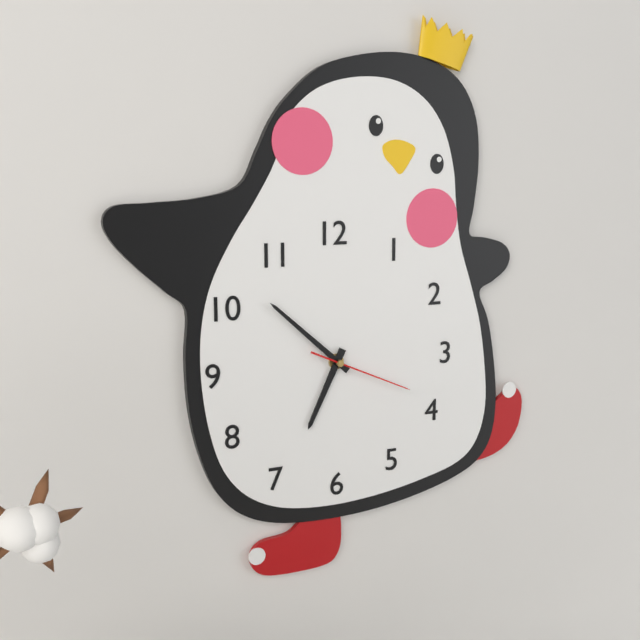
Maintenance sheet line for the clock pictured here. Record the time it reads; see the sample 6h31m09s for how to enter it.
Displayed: 6h52m19s
